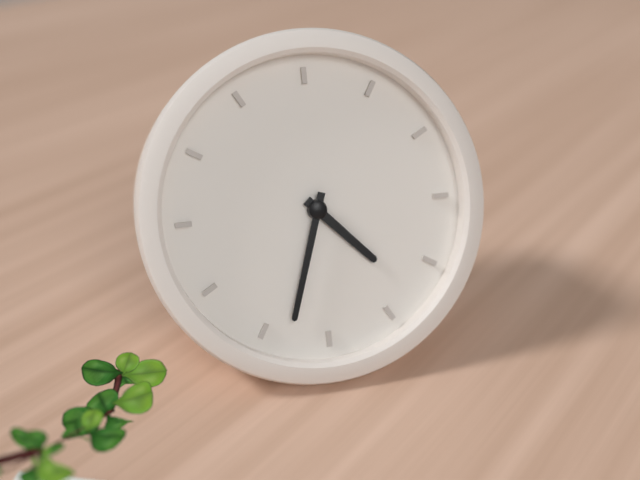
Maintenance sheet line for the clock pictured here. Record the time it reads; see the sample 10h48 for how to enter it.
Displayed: 4h33
